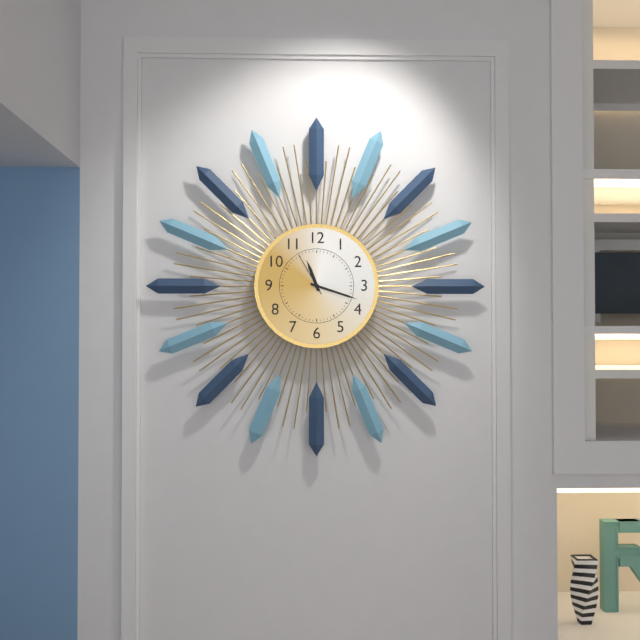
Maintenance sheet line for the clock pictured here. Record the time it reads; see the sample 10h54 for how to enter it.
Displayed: 11h18
